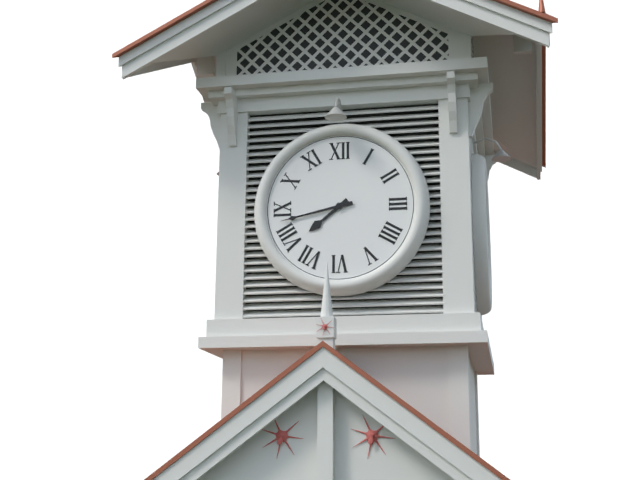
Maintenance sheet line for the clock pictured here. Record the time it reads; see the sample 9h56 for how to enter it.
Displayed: 7h43
